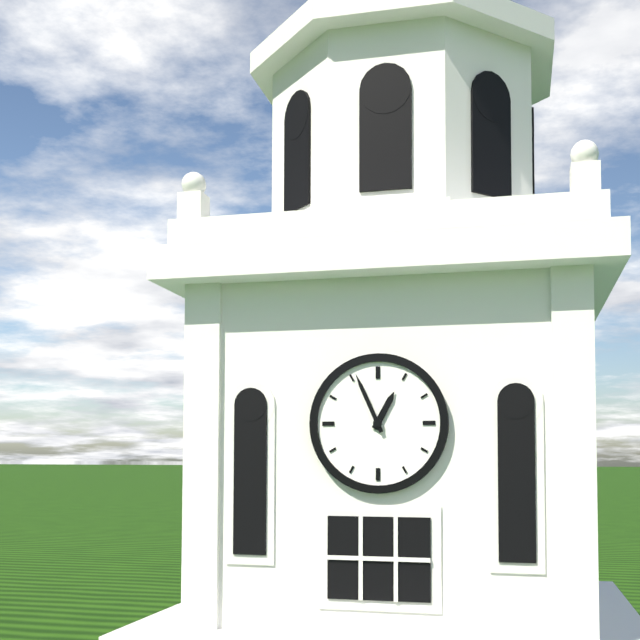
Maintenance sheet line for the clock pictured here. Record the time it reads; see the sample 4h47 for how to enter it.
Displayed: 12h56
